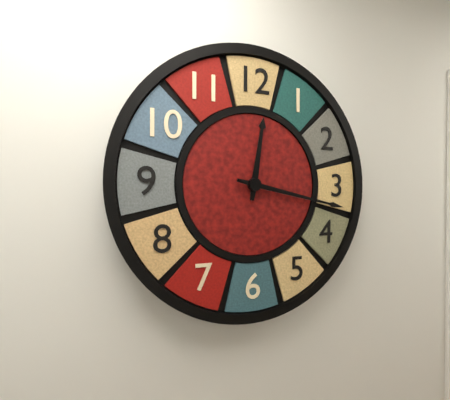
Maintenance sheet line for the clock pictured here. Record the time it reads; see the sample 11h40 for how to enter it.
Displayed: 12h17
